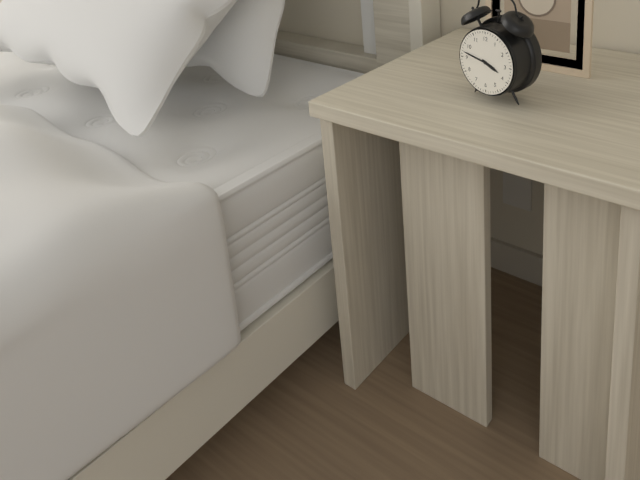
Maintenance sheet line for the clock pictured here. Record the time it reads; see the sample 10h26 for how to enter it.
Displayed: 3h47
